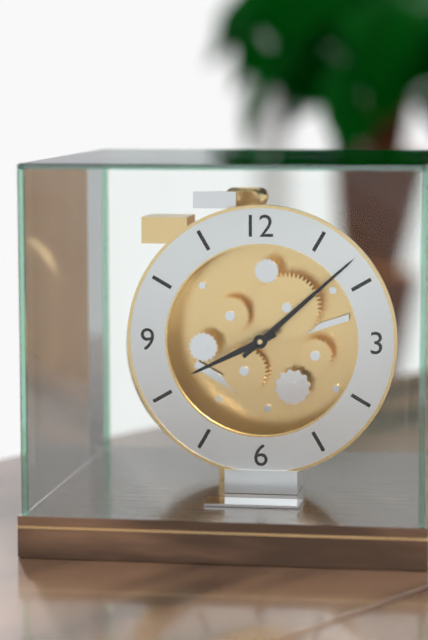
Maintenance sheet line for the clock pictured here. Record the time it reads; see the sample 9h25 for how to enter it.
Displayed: 8h08
